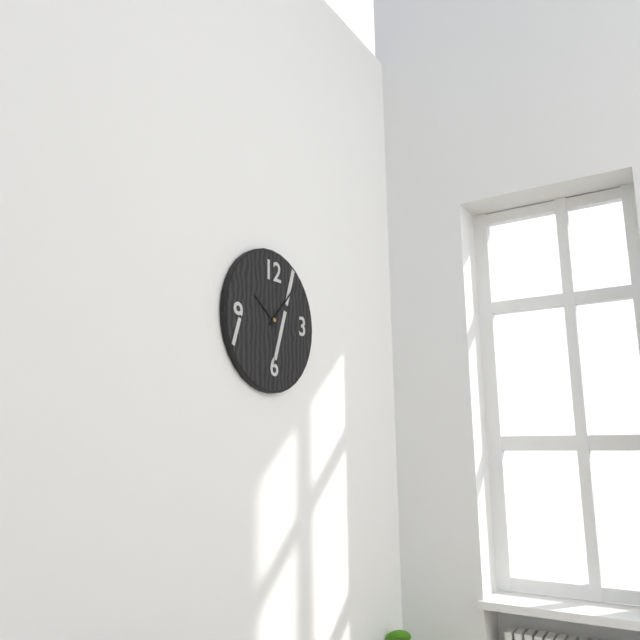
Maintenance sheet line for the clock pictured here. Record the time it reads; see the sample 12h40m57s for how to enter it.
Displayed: 10h07m30s
